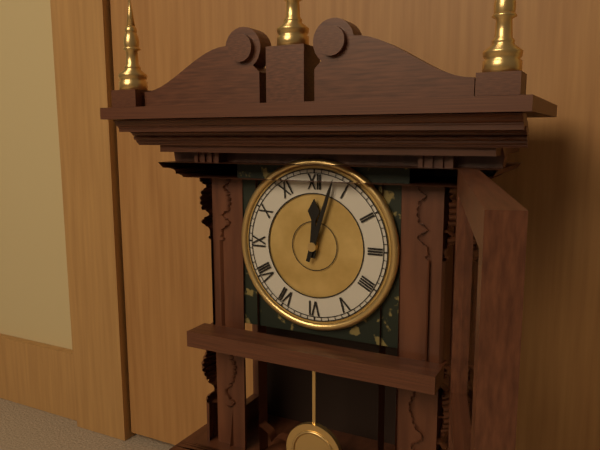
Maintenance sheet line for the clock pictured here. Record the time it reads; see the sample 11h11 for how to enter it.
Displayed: 12h03
